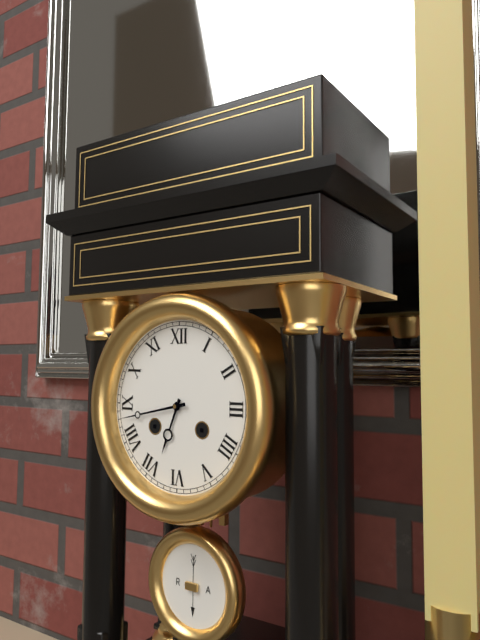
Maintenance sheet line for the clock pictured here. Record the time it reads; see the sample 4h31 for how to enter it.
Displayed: 6h43
